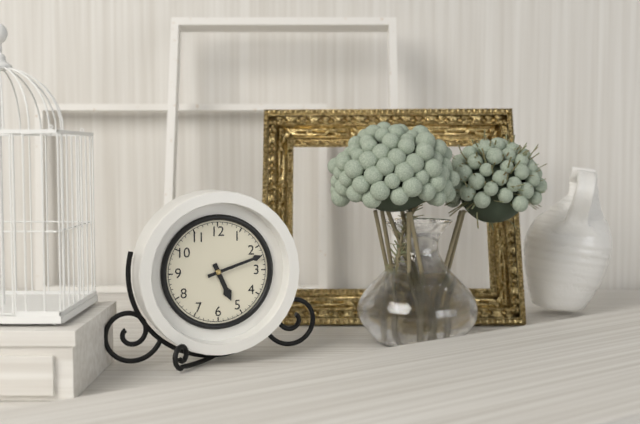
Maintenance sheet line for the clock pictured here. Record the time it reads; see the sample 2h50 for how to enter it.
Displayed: 5h12
